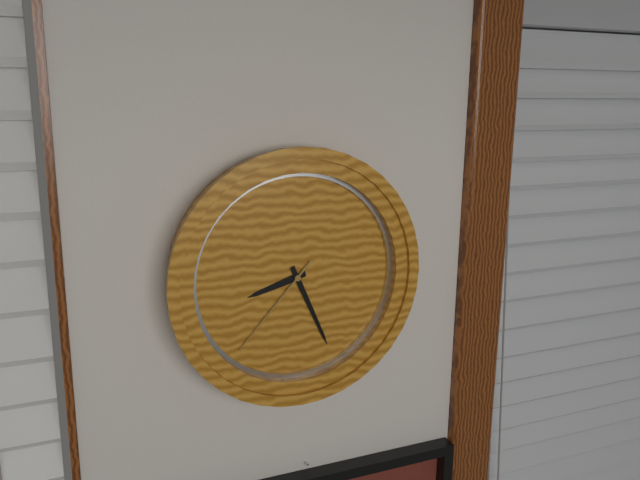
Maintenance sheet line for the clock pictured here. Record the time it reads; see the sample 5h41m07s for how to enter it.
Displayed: 8h26m37s
